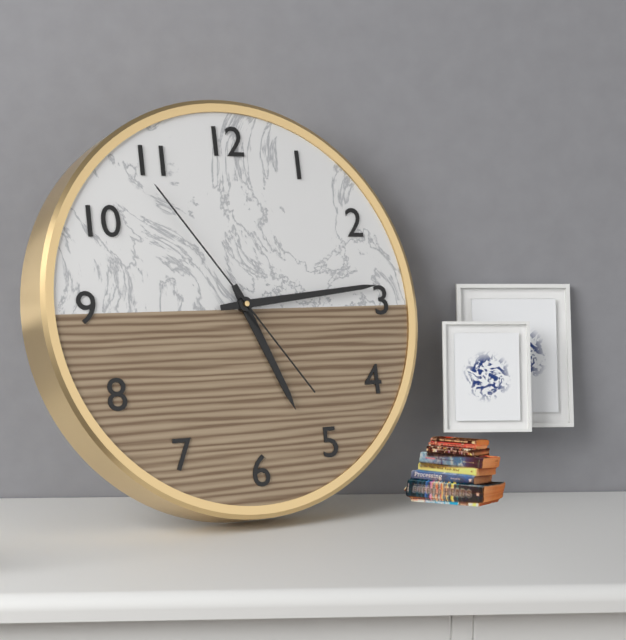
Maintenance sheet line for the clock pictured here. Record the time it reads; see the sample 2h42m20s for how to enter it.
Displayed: 5h14m54s
